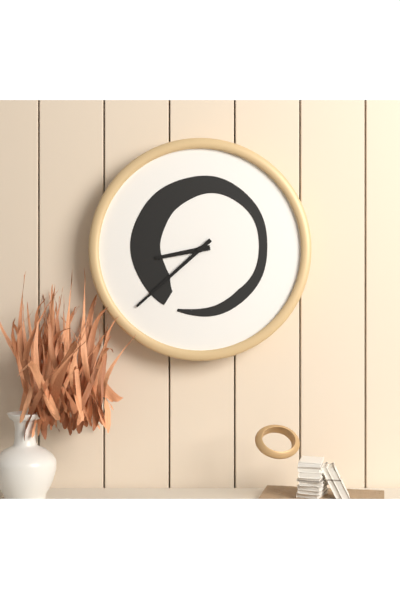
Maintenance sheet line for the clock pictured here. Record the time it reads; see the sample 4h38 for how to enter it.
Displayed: 8h38
